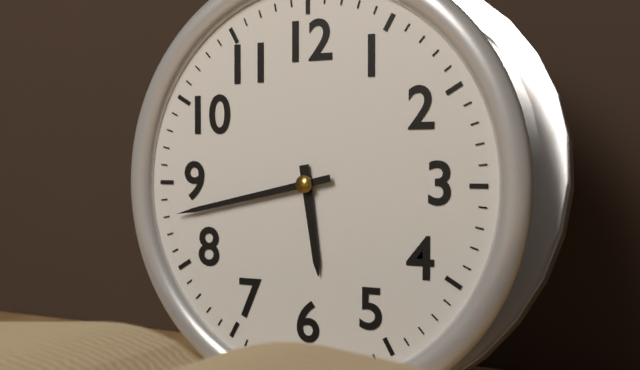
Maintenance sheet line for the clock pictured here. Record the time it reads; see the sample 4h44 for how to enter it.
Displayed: 5h43
